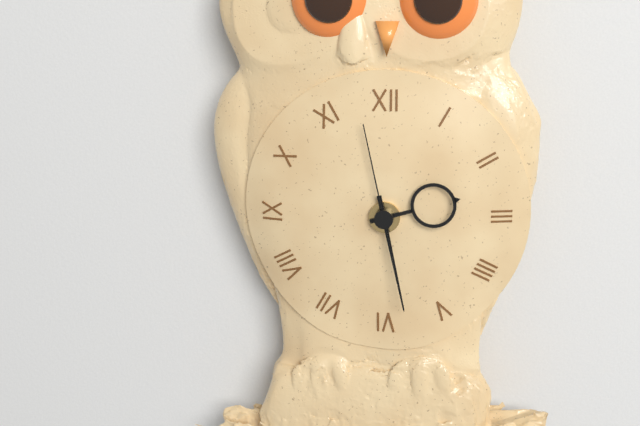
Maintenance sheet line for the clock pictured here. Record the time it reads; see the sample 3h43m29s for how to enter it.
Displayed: 2h28m58s
